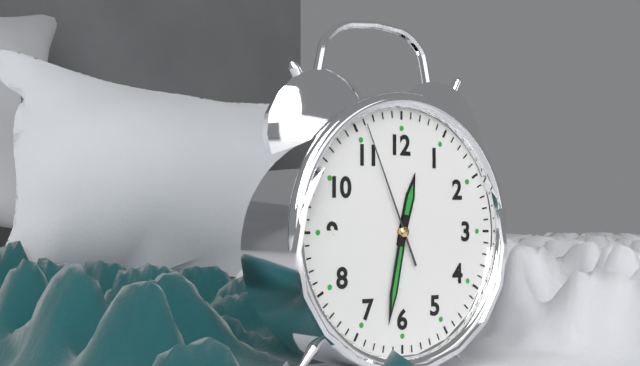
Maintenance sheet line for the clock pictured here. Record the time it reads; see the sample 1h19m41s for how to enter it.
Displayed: 12h32m56s
